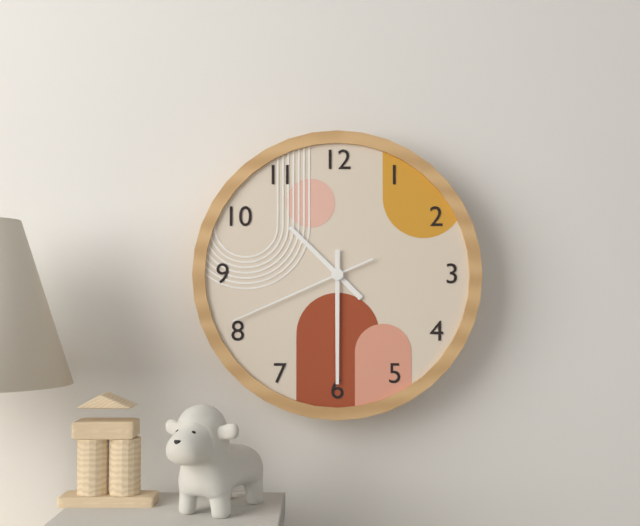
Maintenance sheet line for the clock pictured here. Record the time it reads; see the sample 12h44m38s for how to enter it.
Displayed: 10h30m41s
